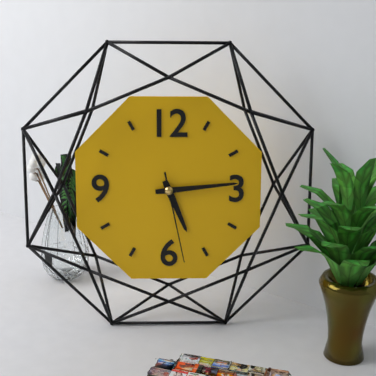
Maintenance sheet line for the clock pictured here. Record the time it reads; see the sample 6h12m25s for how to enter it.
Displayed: 5h14m28s
